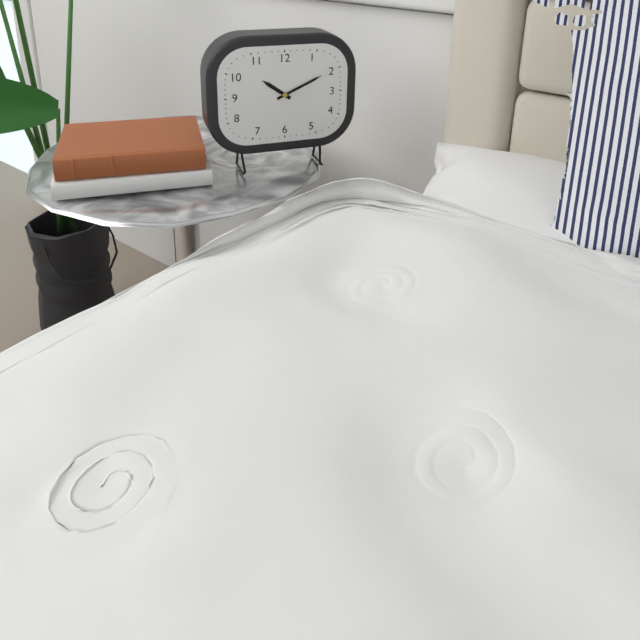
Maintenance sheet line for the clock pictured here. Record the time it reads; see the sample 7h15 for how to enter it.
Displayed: 10h11
